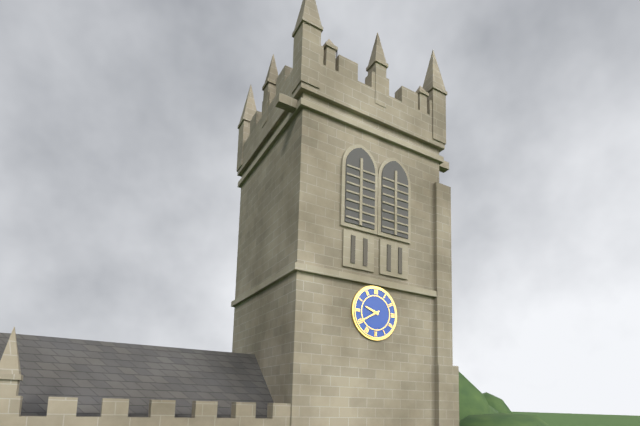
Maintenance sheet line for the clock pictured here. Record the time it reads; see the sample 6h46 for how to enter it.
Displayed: 9h40
